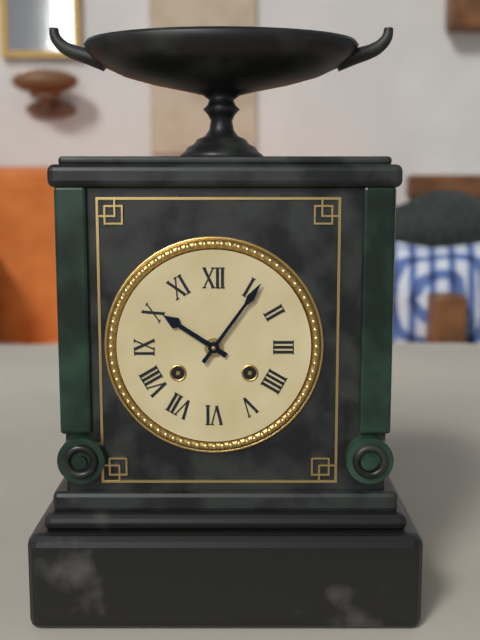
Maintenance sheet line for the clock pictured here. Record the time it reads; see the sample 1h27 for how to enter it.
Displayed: 10h06
